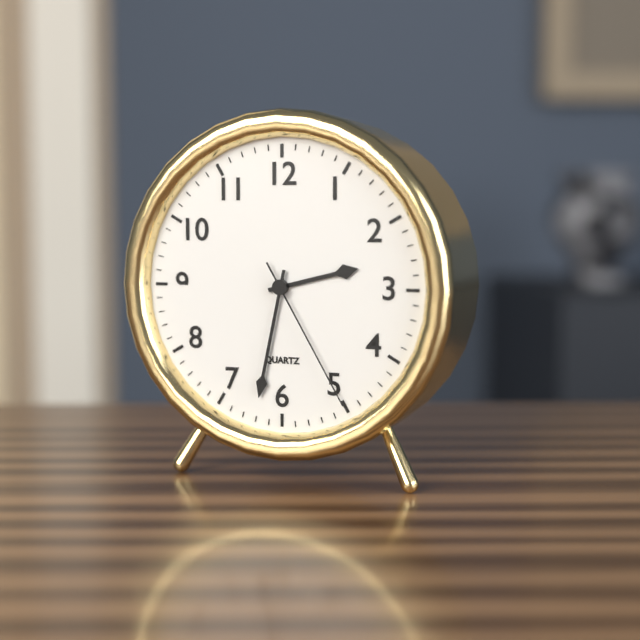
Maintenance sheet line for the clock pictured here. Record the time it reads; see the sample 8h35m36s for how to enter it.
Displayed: 2h32m25s
